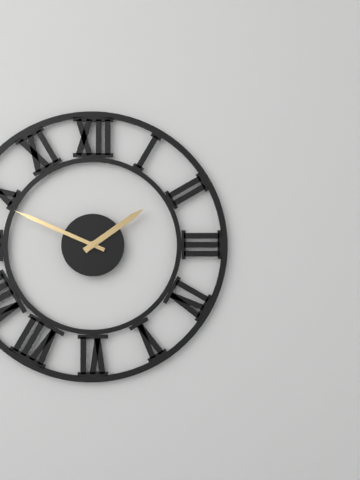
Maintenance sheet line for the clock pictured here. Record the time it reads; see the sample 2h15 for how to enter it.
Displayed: 1h49
